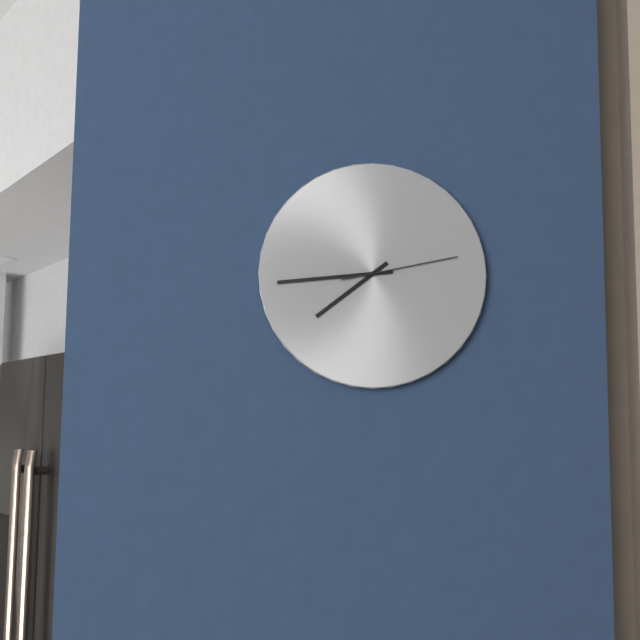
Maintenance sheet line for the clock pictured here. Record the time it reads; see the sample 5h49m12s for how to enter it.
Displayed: 7h44m13s
